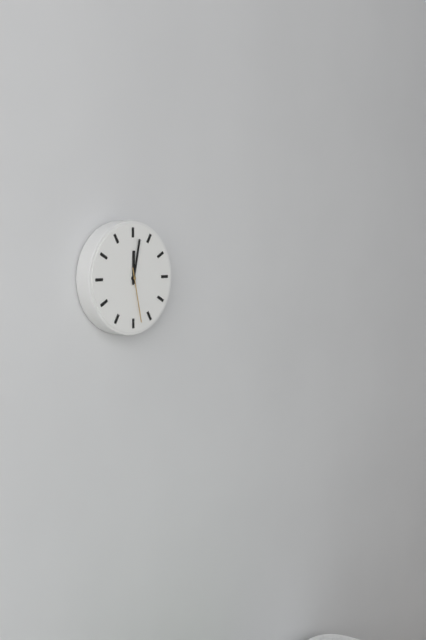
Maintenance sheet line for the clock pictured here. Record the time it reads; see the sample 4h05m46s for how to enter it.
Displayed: 12h02m28s
